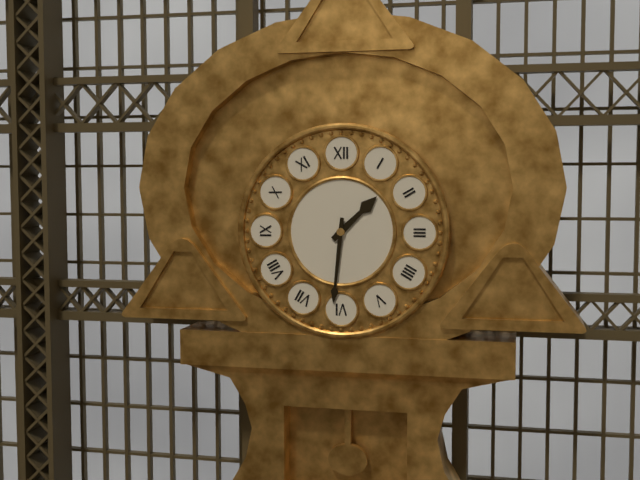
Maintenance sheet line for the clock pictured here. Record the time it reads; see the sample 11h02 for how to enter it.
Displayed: 1h31
